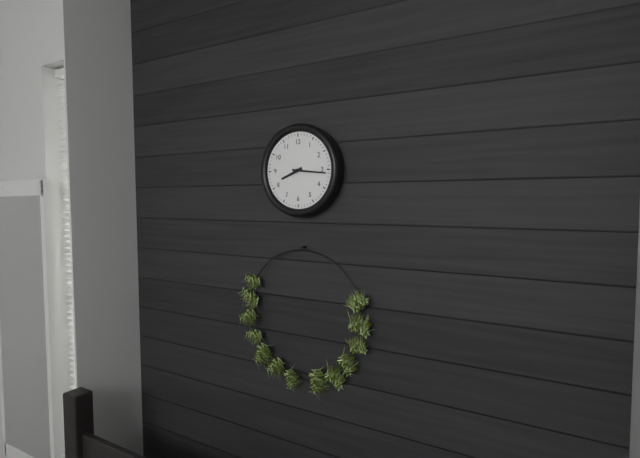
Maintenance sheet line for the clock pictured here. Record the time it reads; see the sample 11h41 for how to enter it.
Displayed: 8h16
